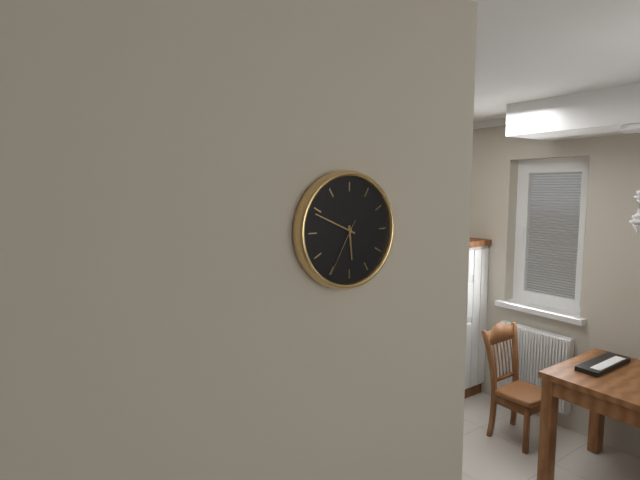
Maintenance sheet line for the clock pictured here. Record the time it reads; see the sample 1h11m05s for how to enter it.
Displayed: 5h49m35s
